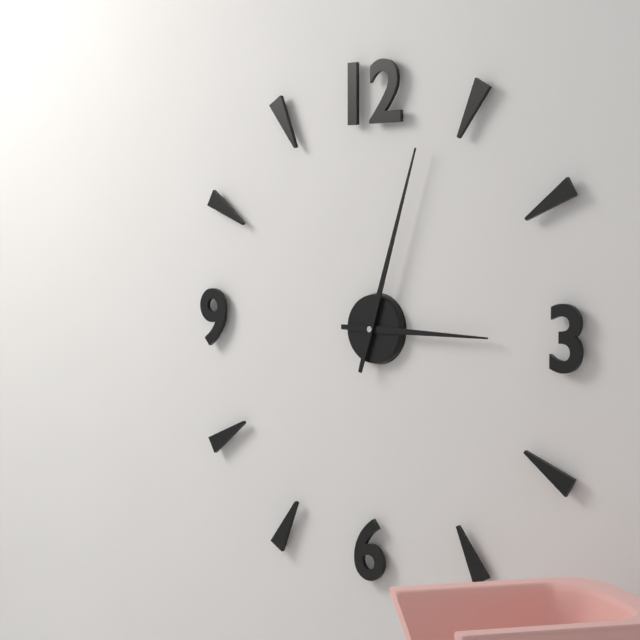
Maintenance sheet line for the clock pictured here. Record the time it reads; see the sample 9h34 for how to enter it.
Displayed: 3h03
